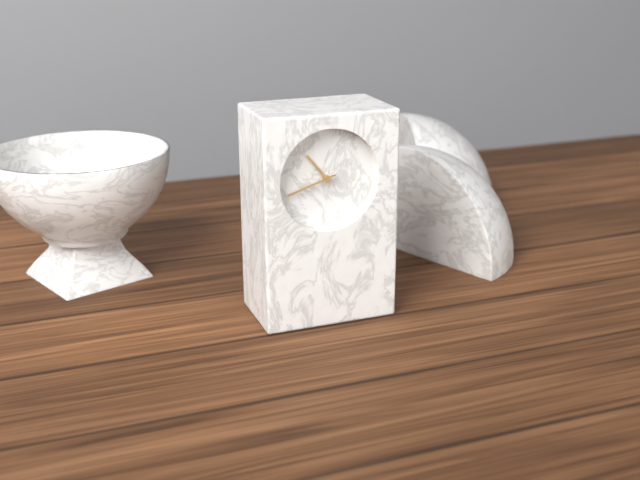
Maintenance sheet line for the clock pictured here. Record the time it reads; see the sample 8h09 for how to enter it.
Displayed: 10h42
